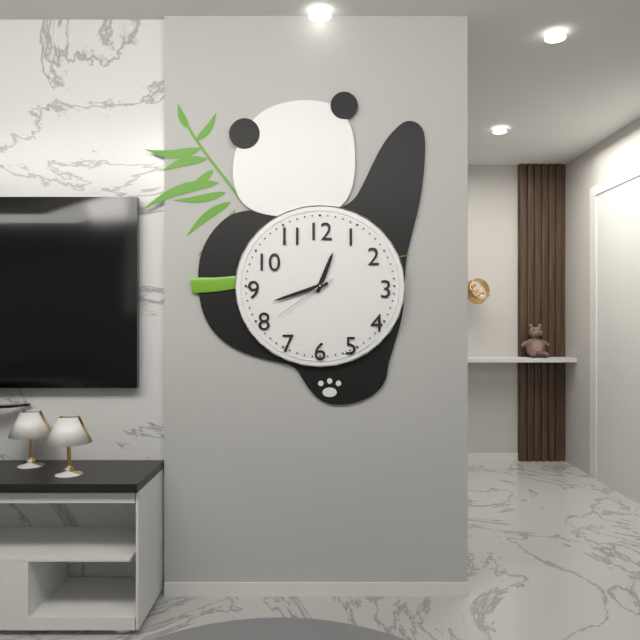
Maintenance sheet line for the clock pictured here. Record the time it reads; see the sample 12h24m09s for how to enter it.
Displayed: 12h42m39s
